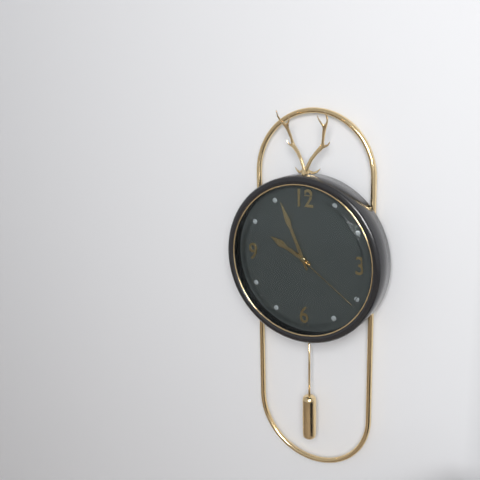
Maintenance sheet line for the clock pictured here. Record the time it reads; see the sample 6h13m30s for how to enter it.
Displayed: 9h56m21s
